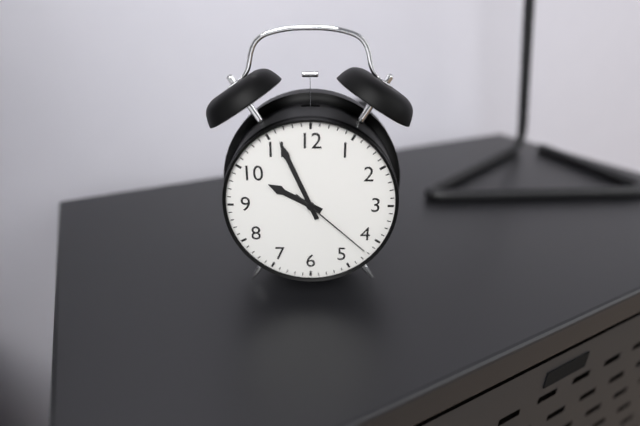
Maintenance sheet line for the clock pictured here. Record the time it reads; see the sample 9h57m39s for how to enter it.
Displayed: 9h56m22s
